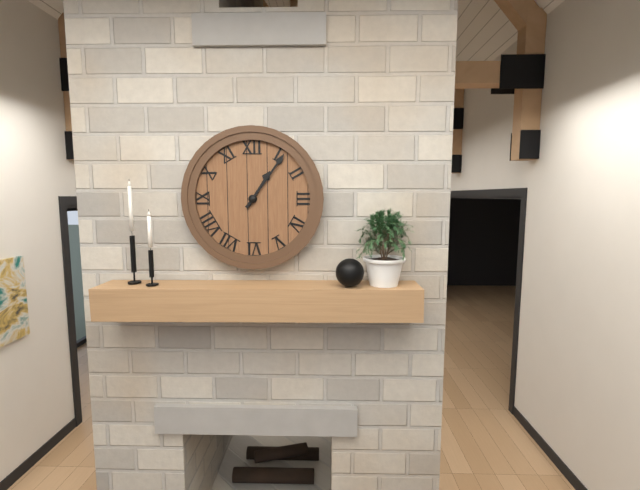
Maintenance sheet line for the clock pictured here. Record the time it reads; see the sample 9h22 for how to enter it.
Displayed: 1h06
